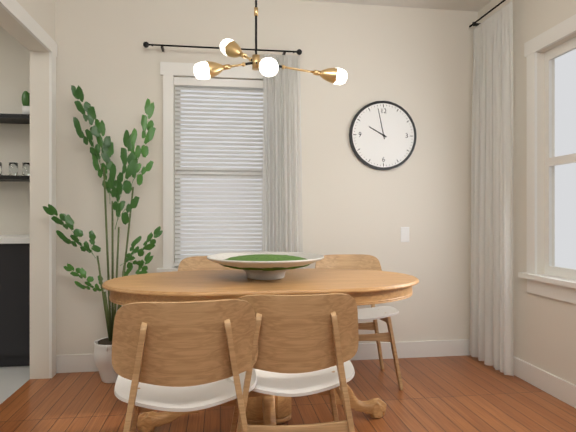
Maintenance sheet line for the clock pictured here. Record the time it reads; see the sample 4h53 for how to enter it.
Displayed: 9h58
